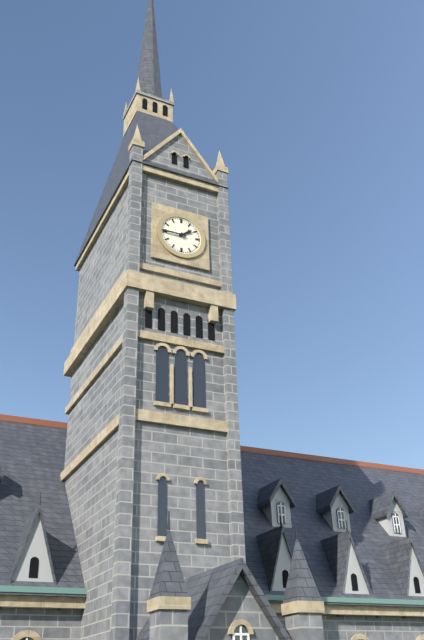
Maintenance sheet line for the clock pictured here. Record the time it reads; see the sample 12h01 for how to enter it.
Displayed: 1h45
